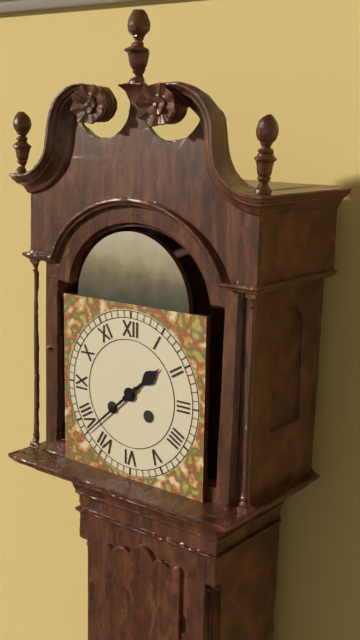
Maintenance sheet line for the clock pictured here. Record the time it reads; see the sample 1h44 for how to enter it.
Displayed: 1h38
